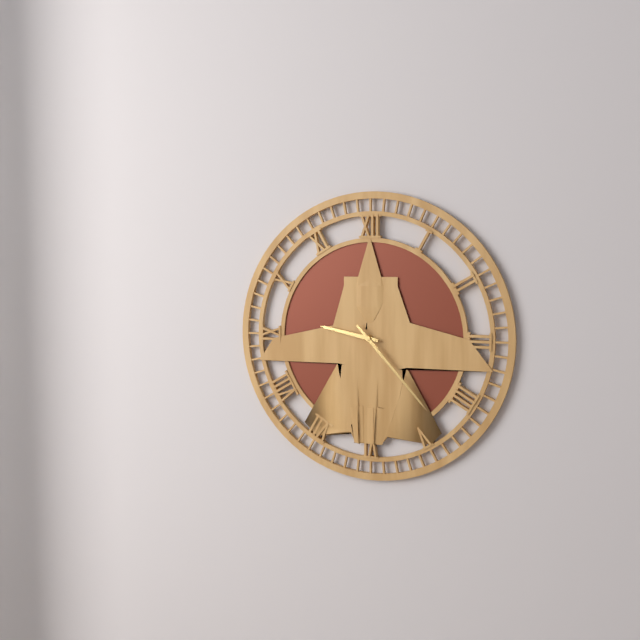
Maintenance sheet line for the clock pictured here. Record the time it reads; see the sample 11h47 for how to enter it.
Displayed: 9h23
